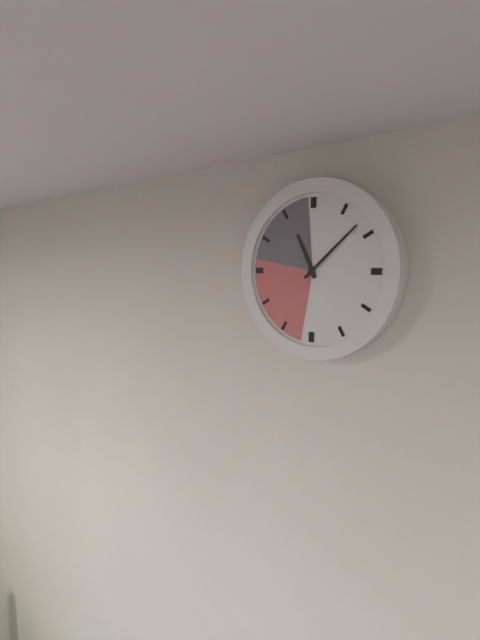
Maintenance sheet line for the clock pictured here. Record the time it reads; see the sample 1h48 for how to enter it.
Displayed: 11h08
